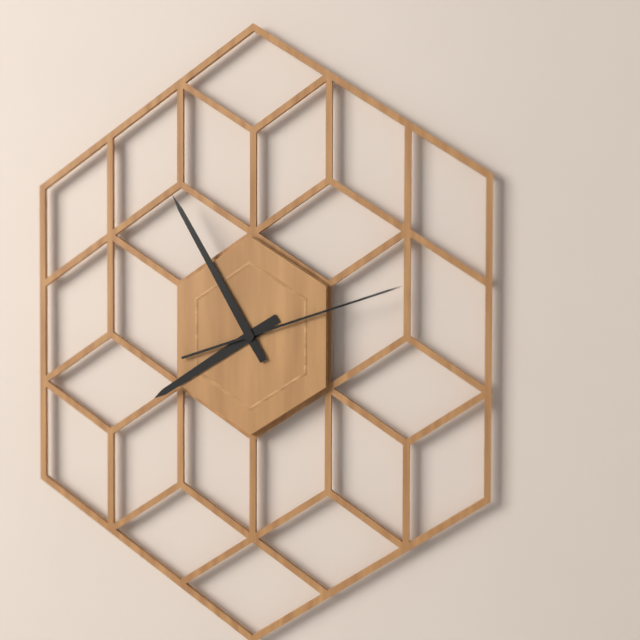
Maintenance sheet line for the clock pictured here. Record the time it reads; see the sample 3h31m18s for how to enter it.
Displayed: 7h55m12s
